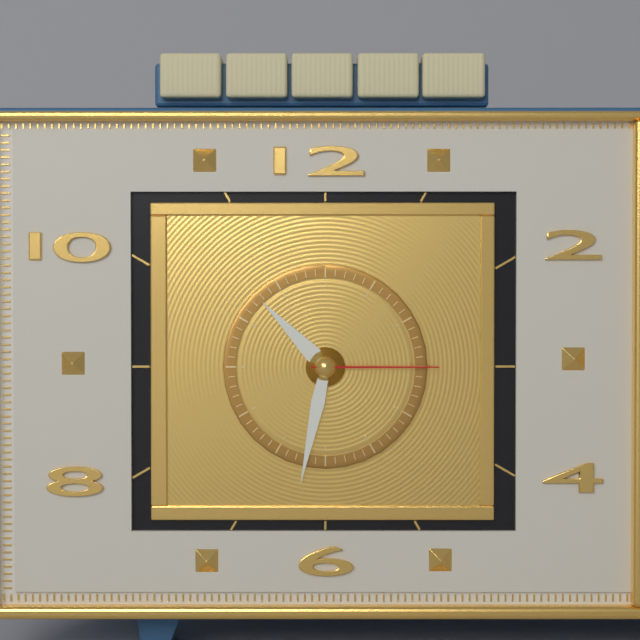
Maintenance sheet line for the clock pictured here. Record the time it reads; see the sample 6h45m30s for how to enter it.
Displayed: 10h32m15s
